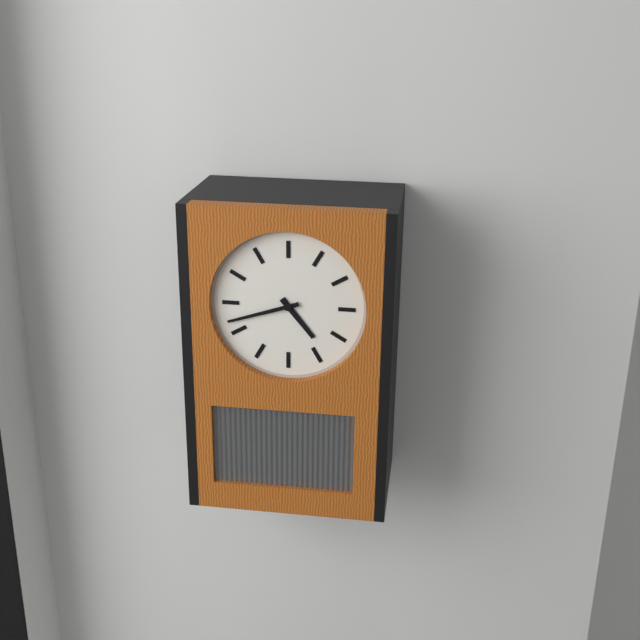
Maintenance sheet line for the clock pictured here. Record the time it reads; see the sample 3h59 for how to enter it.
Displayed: 4h42
